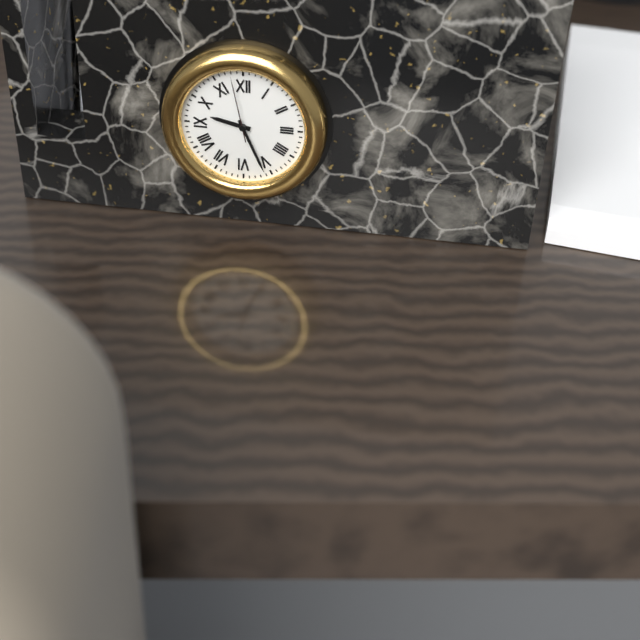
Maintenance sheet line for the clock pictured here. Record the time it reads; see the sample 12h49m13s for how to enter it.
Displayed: 9h26m58s
